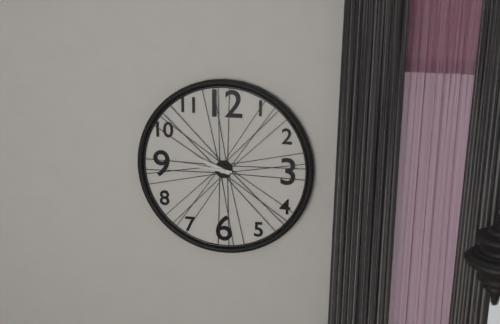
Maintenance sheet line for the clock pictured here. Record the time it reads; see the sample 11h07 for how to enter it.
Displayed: 9h46
